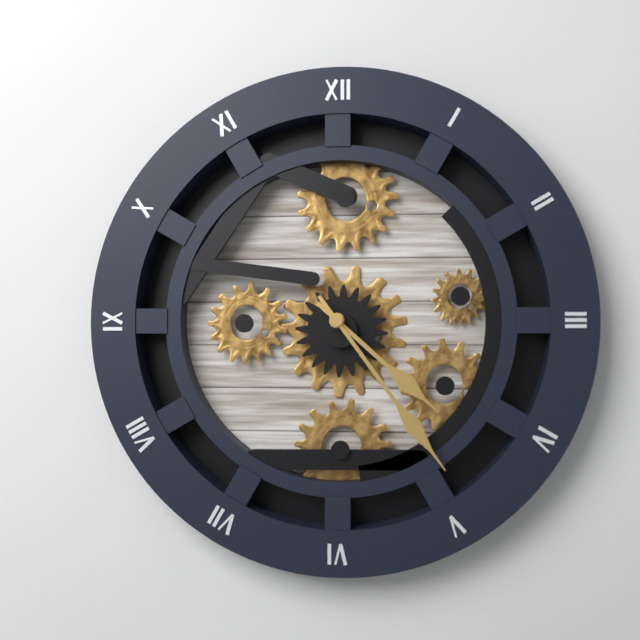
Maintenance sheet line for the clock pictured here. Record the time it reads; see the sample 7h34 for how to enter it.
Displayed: 4h24
